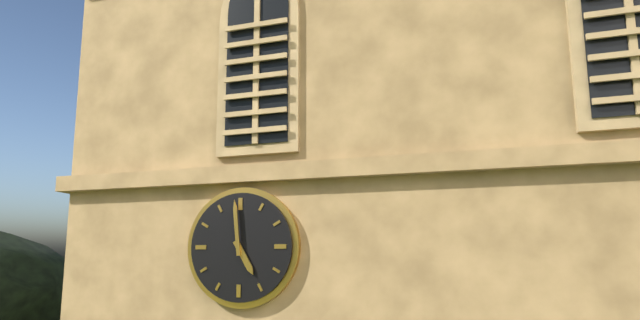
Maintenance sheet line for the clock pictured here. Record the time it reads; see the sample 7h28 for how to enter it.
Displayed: 4h59
